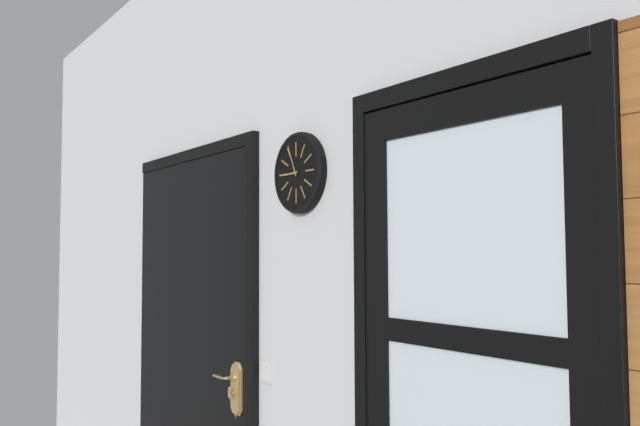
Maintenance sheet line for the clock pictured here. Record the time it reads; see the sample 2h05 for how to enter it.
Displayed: 8h56
